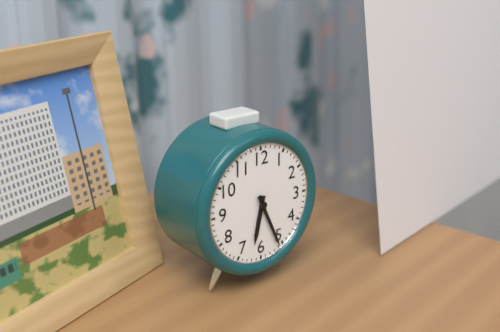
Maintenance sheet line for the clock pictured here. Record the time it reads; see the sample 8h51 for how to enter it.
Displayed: 6h26
